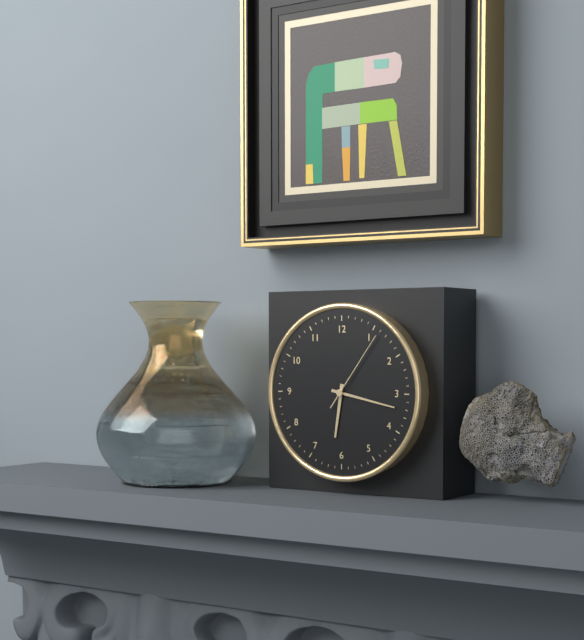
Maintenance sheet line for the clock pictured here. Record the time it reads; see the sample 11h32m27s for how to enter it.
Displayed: 6h17m06s
